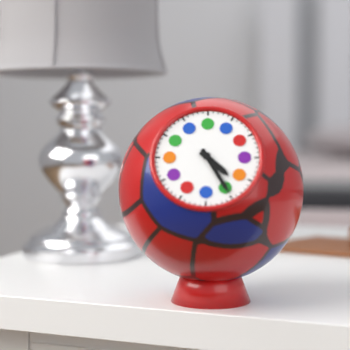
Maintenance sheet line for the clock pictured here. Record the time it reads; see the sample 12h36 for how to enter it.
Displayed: 4h25
